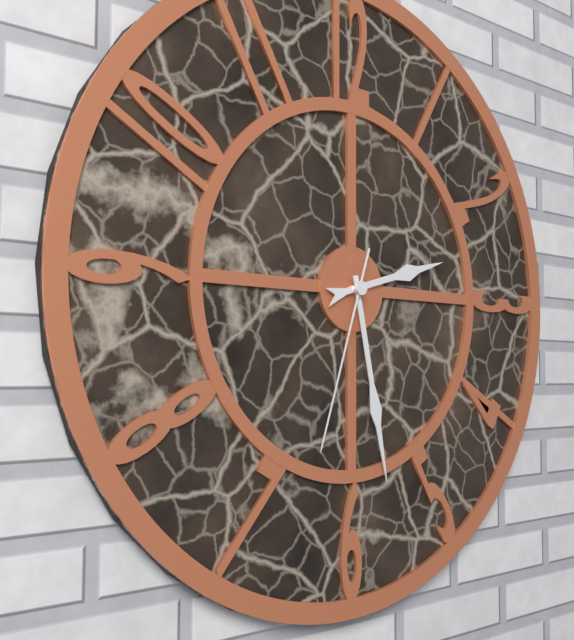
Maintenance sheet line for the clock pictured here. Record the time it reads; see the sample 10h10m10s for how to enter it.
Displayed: 2h28m33s
